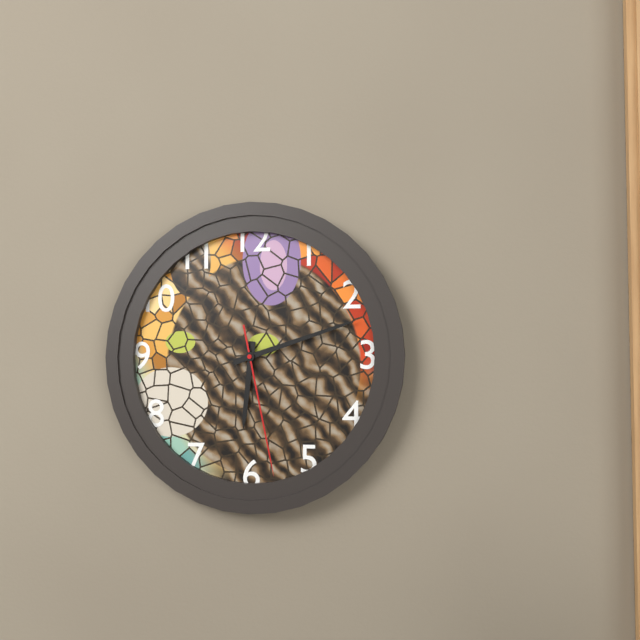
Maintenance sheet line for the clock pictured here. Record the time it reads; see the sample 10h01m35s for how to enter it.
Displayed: 6h12m28s
